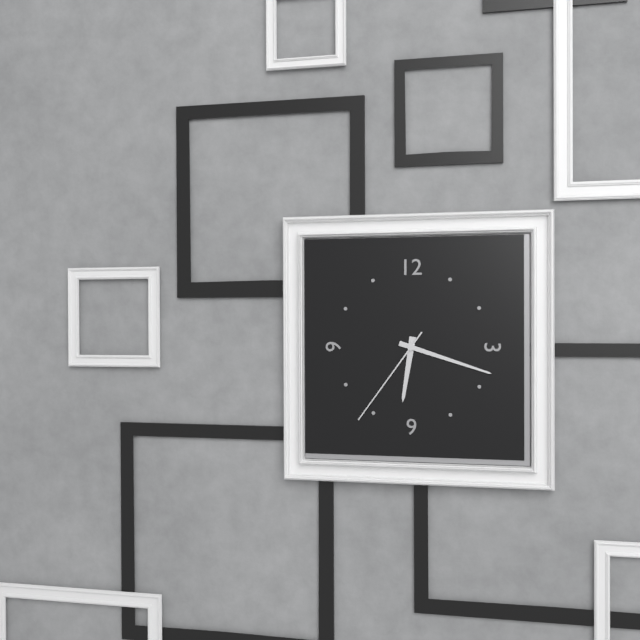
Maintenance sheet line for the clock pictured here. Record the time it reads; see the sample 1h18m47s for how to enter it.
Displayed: 6h18m36s
